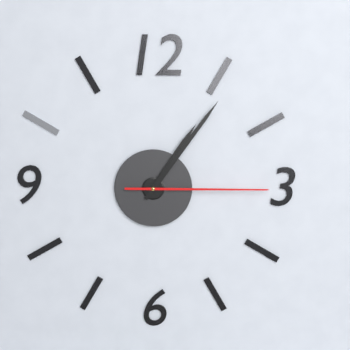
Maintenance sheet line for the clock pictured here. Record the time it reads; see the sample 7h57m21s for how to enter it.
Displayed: 1h06m15s
